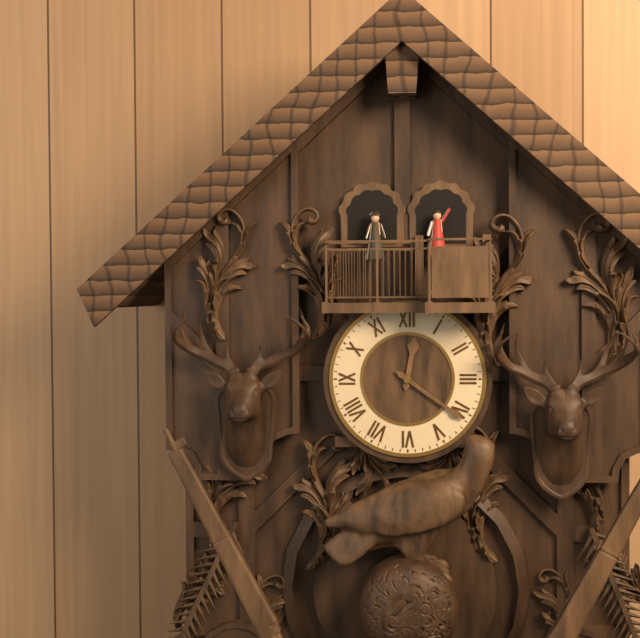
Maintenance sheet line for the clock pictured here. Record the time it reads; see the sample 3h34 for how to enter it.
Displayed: 12h21
